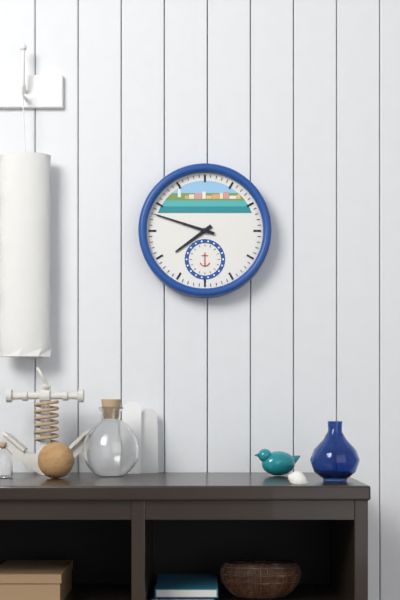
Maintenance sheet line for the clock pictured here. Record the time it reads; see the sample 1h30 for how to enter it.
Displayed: 7h48
